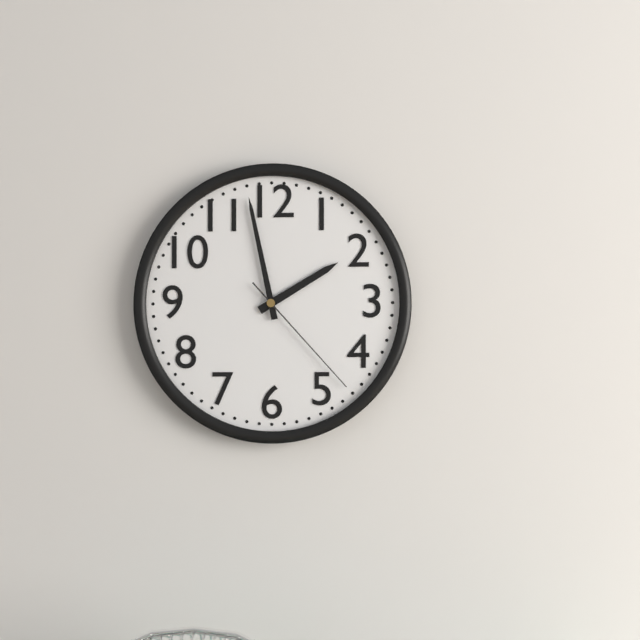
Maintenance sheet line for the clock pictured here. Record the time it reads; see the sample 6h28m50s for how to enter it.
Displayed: 1h58m23s
